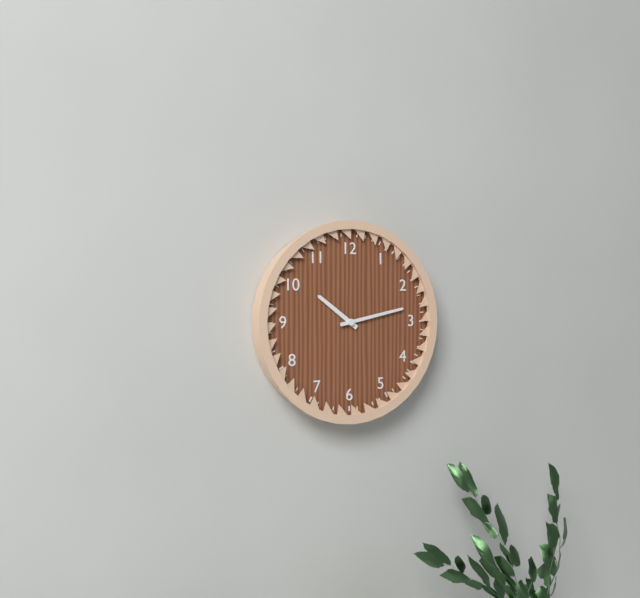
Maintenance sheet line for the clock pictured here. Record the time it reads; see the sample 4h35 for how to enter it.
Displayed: 10h13
